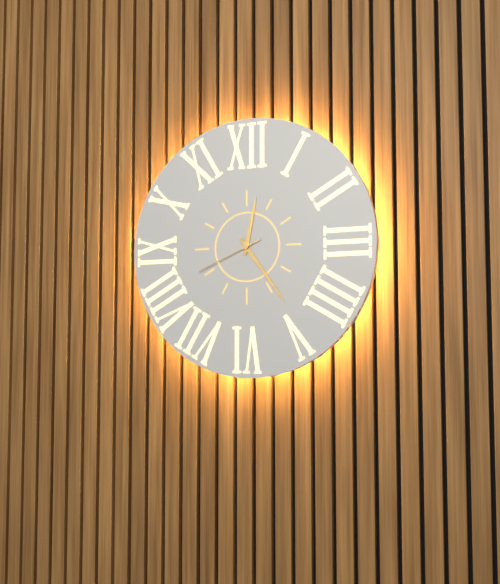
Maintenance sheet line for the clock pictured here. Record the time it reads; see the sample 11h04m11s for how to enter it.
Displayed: 12h24m41s
